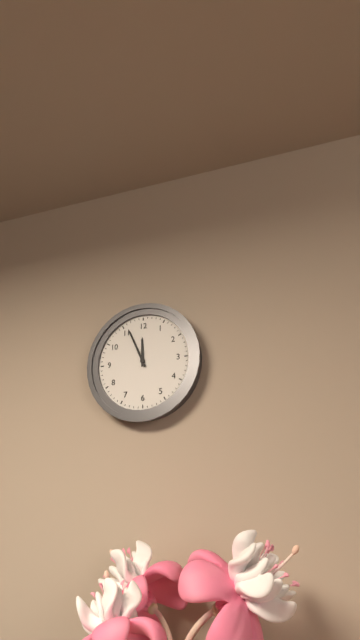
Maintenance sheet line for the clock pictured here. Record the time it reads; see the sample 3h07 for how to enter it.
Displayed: 11h56
